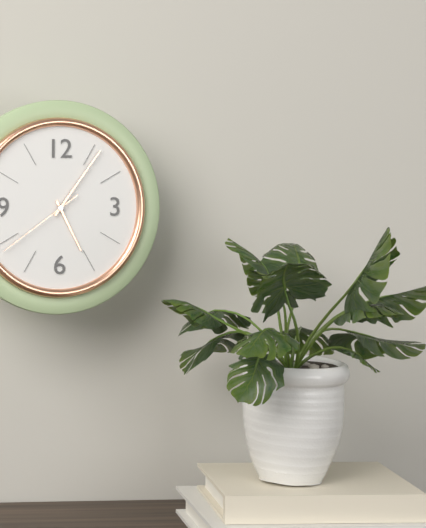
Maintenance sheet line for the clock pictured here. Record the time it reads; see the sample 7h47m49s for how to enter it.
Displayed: 5h06m39s
